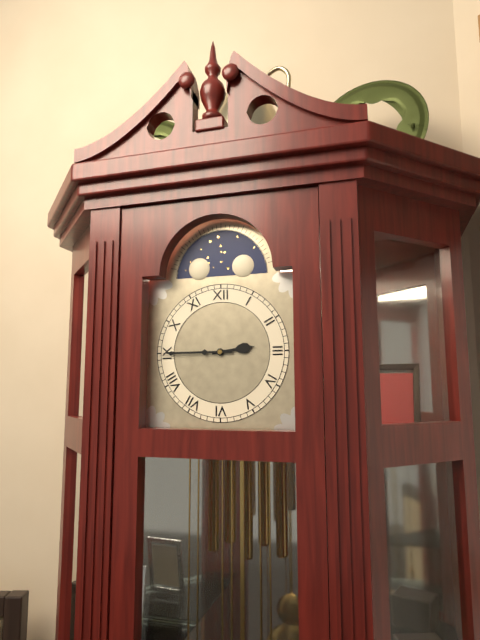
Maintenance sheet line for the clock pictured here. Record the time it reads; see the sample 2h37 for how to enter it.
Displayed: 2h45
